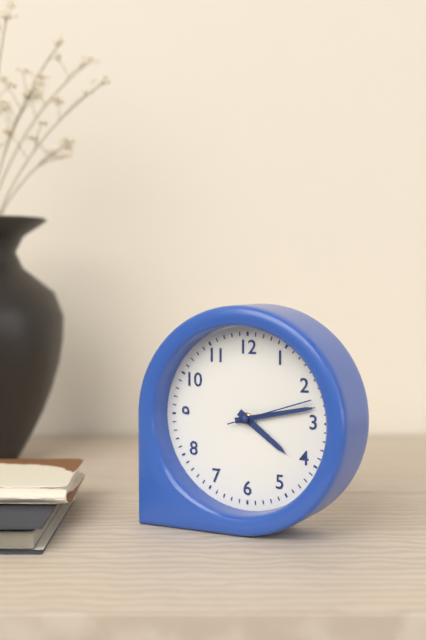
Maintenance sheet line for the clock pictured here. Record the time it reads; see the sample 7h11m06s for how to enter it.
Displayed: 4h13m12s
